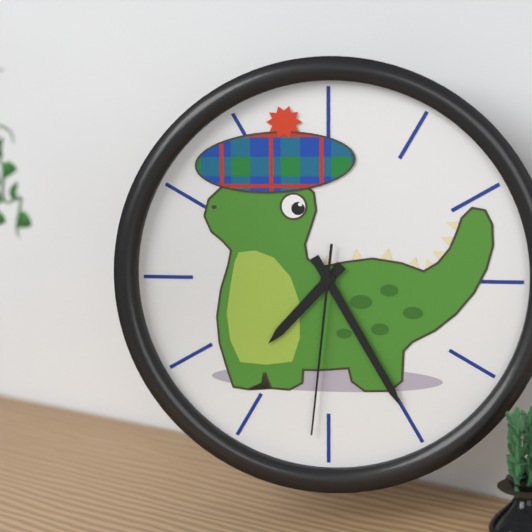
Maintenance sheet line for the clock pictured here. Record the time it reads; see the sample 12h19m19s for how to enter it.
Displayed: 7h25m31s
